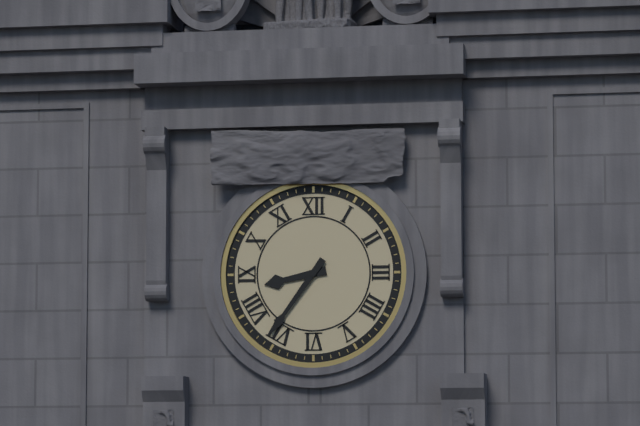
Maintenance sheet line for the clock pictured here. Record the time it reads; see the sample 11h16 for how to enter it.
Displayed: 8h36
